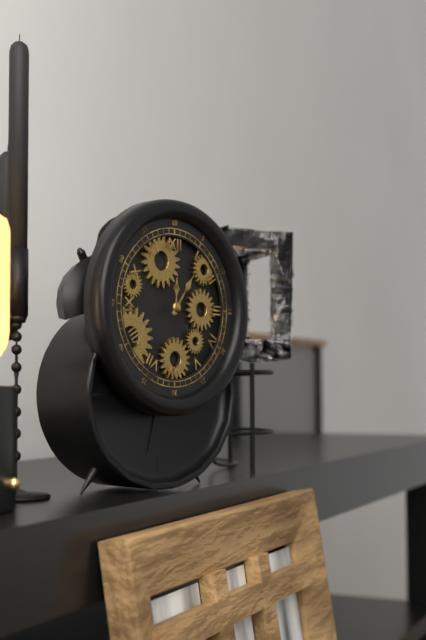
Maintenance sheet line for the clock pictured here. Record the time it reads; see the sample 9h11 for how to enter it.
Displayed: 12h06
